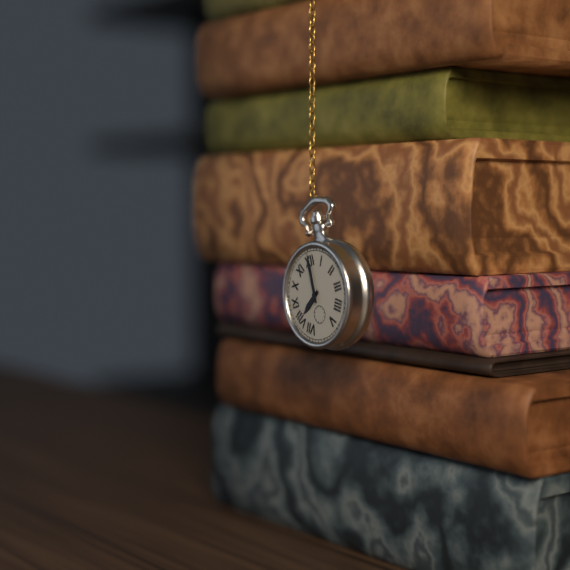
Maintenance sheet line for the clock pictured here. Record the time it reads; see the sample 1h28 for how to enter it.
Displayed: 8h00
